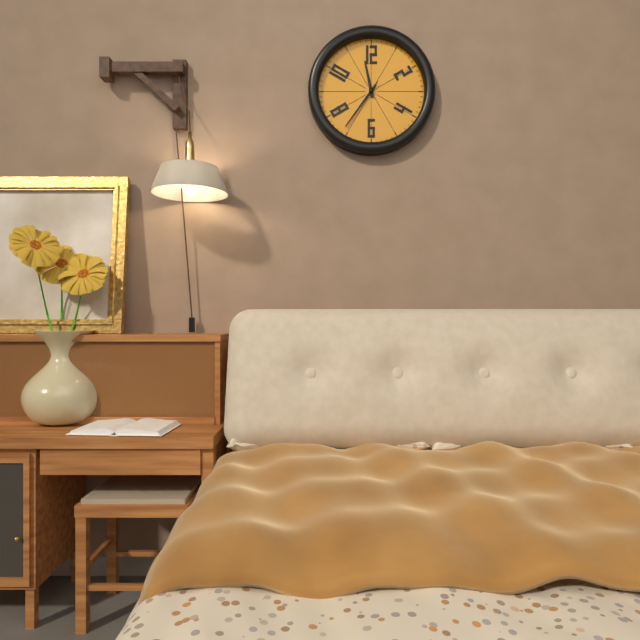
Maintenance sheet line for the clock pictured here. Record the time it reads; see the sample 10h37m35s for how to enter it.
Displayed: 11h36m36s
